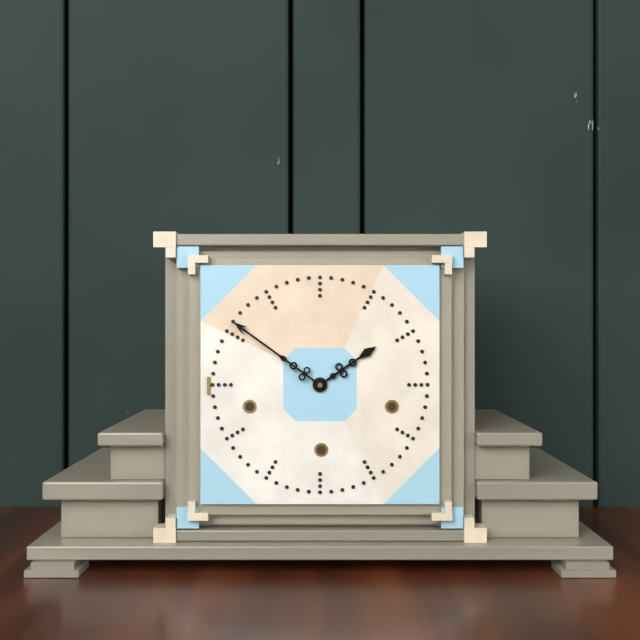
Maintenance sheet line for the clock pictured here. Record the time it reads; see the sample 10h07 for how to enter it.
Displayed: 1h51
